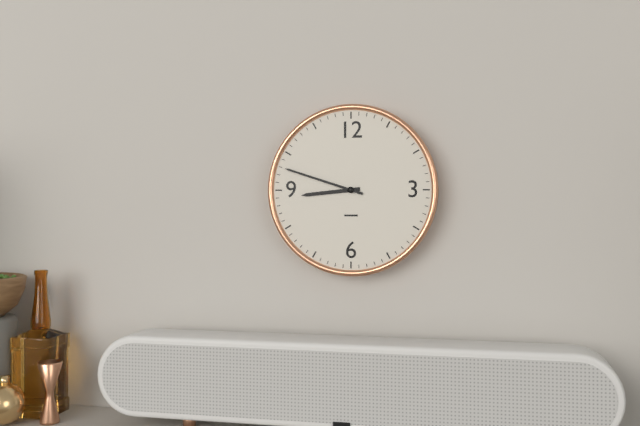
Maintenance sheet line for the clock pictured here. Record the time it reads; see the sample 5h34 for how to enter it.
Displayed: 8h48
